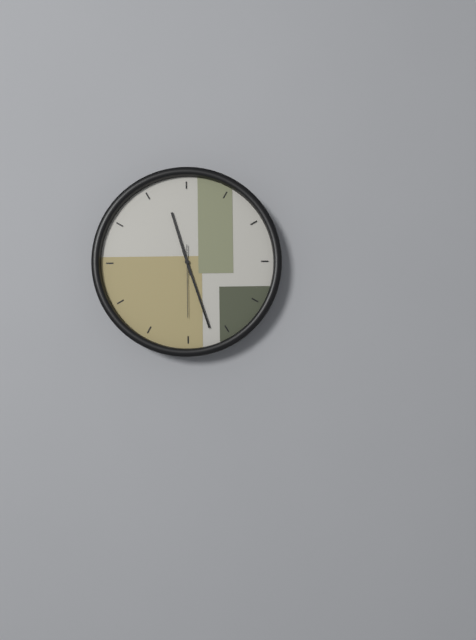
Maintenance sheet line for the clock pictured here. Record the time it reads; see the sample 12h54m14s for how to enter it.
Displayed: 11h27m30s
